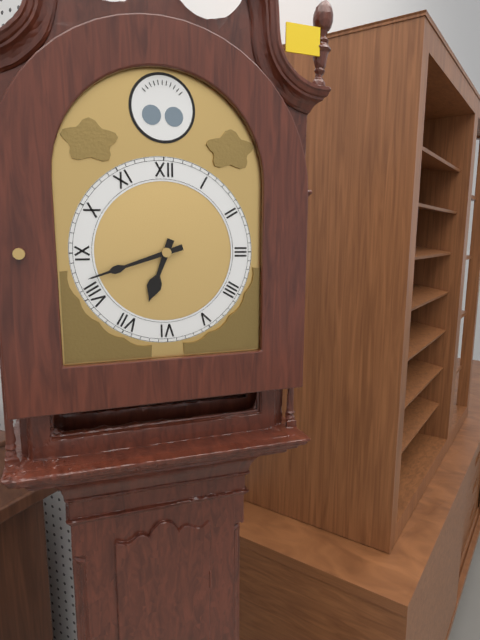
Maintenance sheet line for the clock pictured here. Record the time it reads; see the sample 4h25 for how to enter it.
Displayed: 6h42
